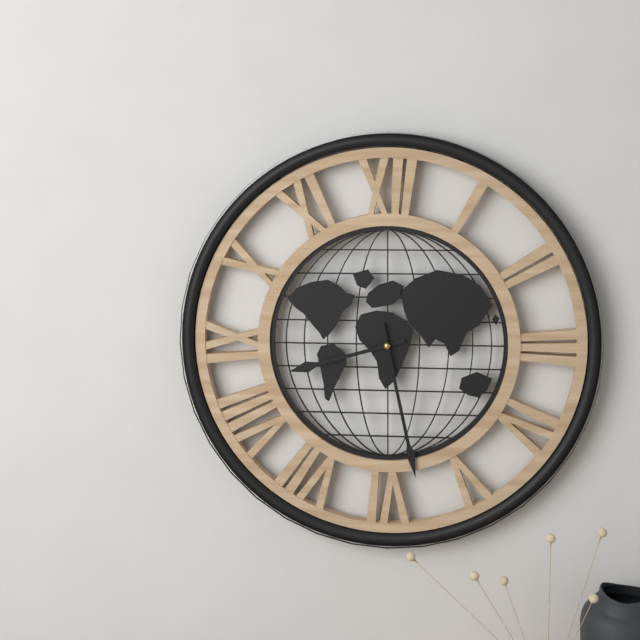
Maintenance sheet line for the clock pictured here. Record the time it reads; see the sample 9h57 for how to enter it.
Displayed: 8h28
